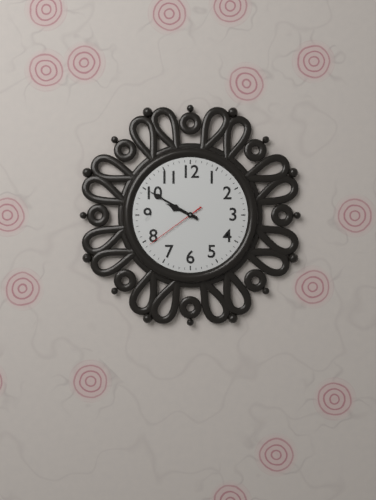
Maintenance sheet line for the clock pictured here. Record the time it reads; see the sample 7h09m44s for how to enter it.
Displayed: 9h50m39s
